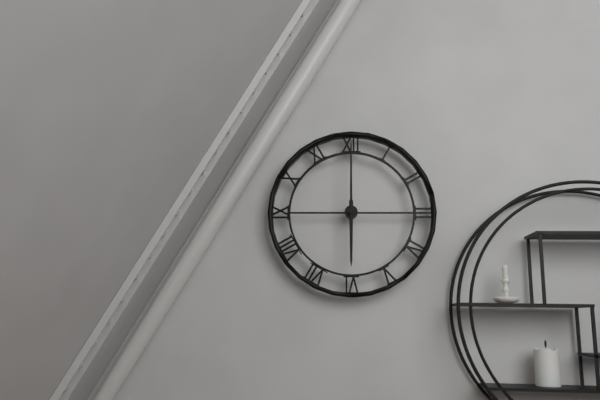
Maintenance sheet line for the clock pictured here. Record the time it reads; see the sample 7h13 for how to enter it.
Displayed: 6h00
